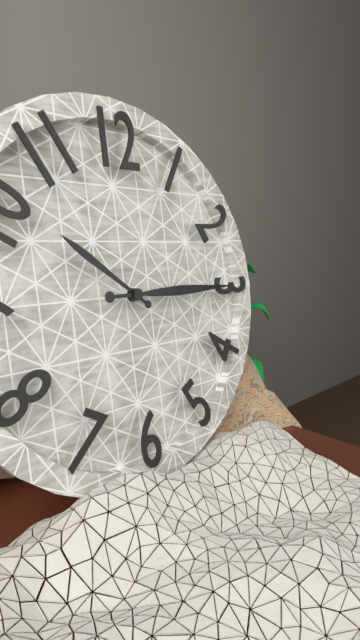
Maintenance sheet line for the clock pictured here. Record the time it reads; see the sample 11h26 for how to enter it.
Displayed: 10h15
